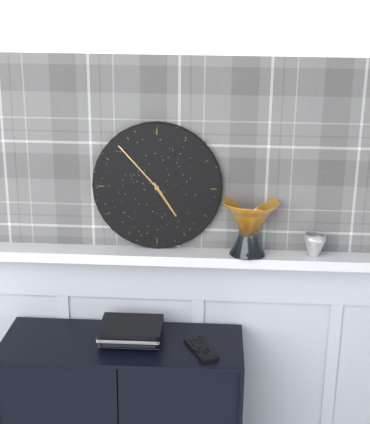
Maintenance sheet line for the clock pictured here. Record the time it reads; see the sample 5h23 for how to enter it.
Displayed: 4h53
